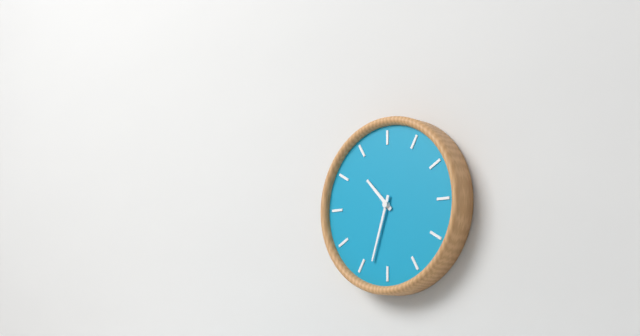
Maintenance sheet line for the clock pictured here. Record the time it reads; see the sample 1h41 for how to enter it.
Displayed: 10h33
